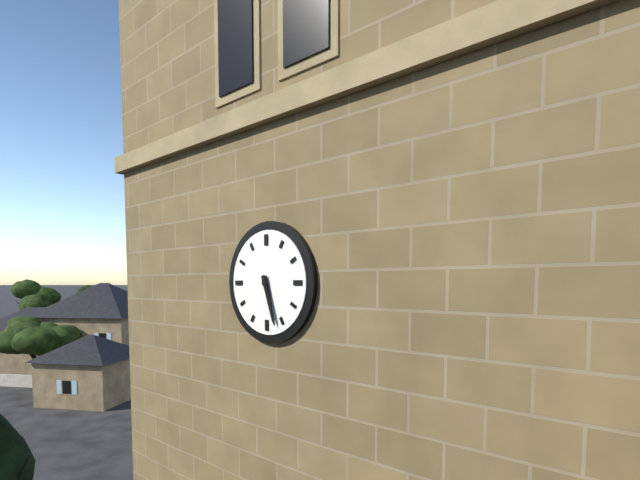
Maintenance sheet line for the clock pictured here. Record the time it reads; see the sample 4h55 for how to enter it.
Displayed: 5h27
